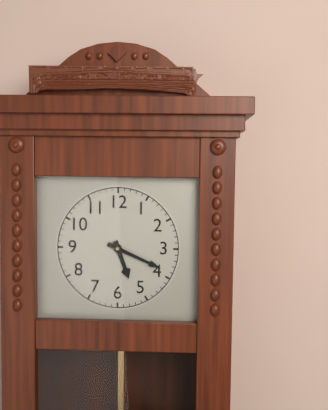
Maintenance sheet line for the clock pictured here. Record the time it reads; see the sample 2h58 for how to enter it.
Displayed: 5h19
